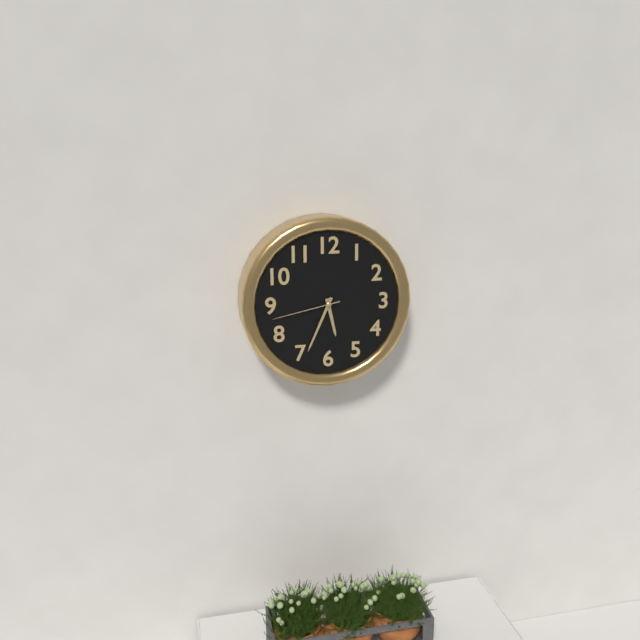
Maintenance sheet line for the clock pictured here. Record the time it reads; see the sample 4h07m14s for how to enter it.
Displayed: 5h34m43s
